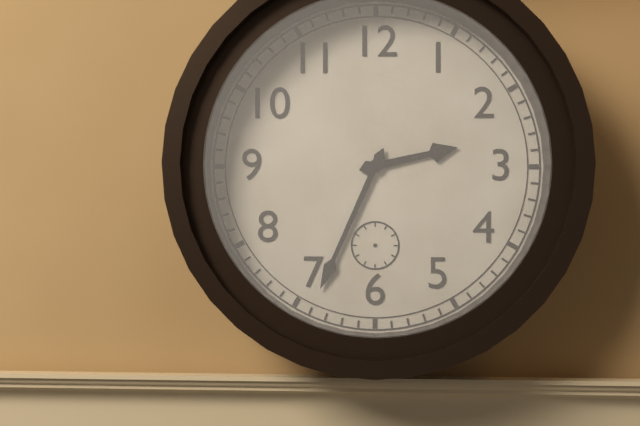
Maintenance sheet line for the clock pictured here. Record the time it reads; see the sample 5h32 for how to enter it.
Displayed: 2h34
